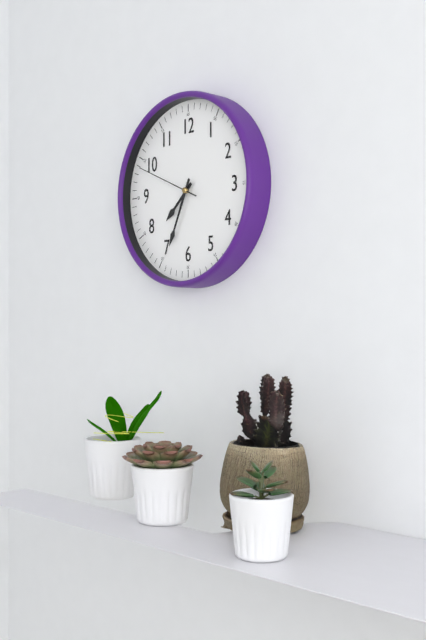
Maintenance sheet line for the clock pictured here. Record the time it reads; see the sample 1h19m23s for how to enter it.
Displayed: 7h34m49s
